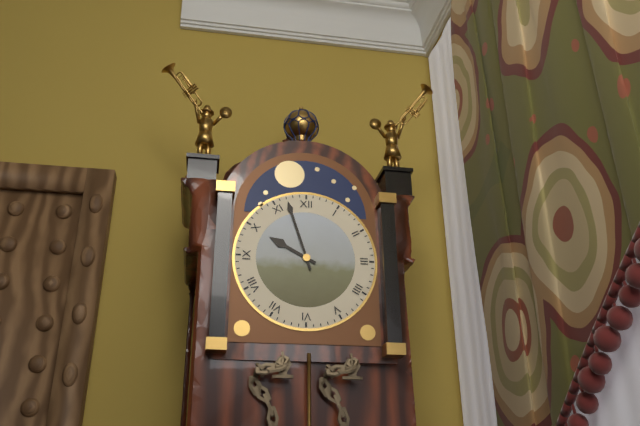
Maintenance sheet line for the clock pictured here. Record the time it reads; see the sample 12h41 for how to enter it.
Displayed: 9h57
